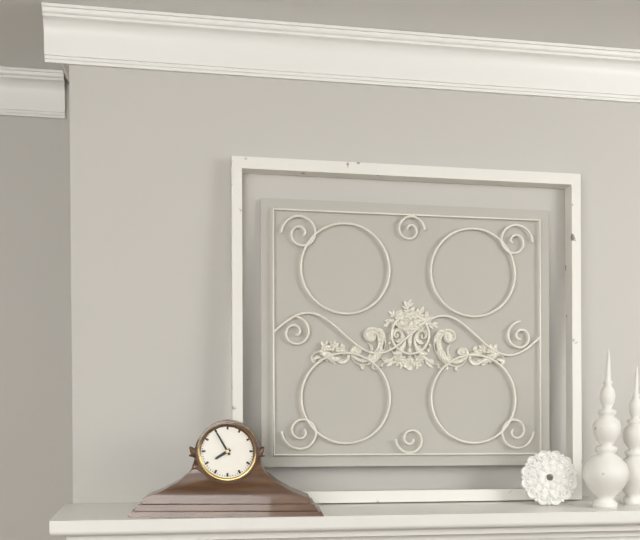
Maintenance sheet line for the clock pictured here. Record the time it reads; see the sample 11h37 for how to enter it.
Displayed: 7h55
